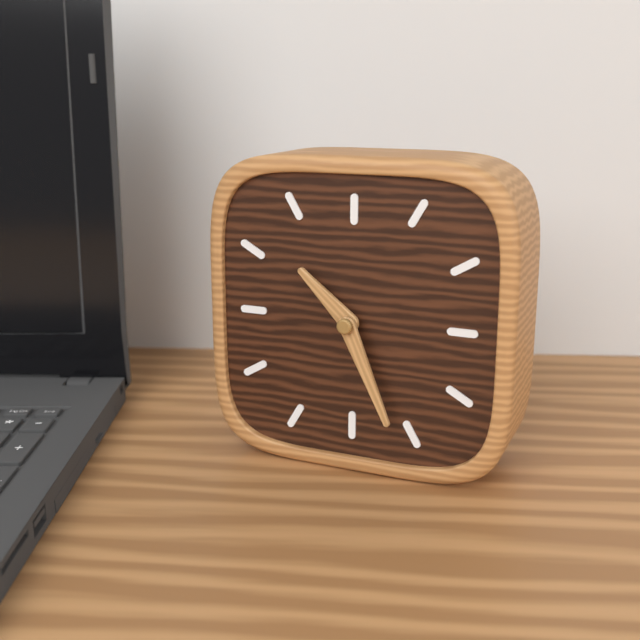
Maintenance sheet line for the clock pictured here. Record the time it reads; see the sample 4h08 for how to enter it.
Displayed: 10h26
